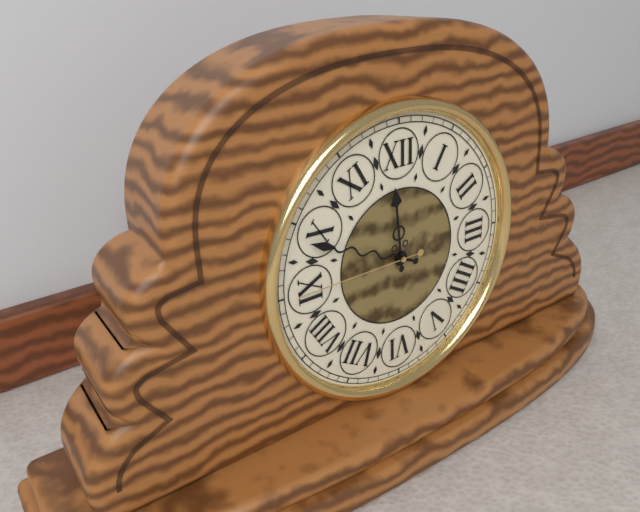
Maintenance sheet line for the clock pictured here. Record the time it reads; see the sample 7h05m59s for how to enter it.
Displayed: 11h49m45s
